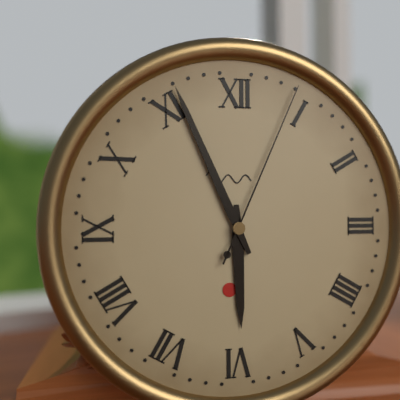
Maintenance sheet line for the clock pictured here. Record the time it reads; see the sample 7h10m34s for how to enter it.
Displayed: 5h56m04s
